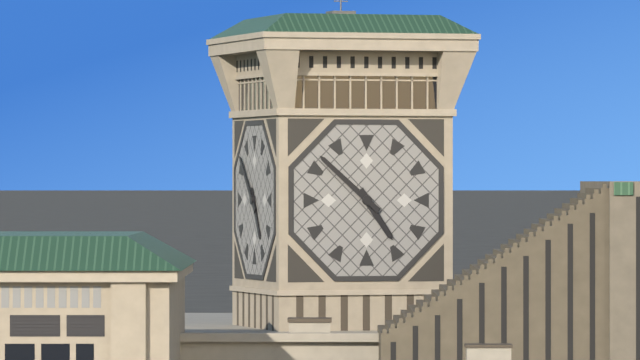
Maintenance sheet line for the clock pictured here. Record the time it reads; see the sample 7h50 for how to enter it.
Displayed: 4h52
